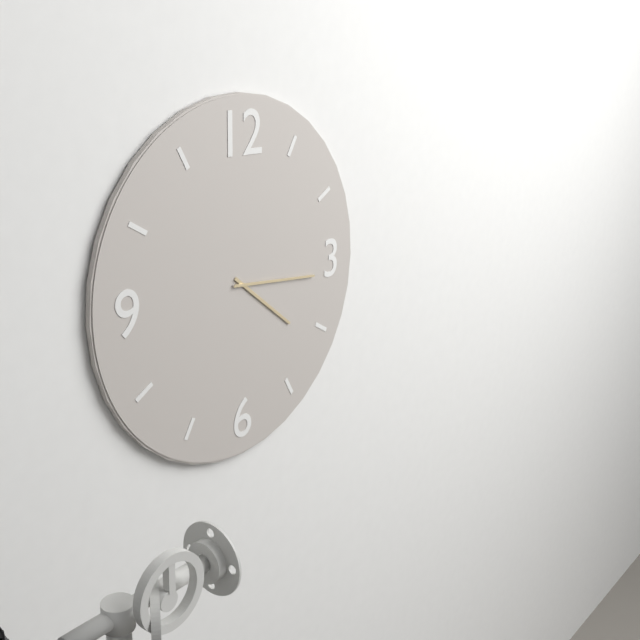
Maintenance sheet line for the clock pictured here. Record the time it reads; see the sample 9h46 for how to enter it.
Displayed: 4h16
